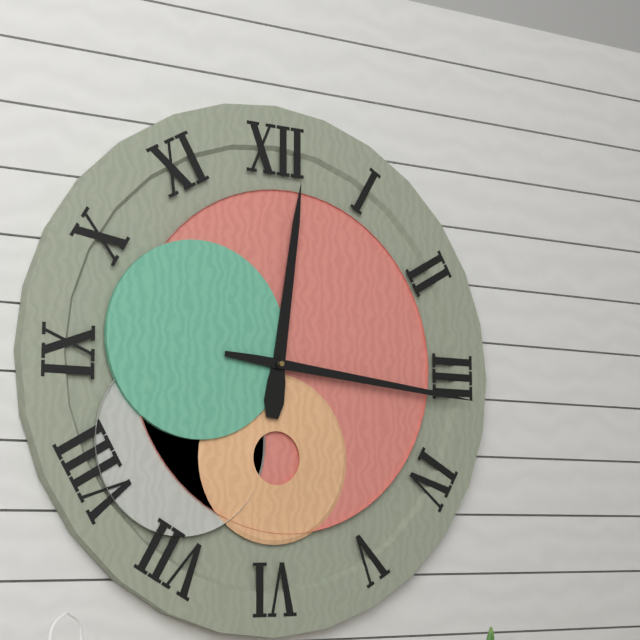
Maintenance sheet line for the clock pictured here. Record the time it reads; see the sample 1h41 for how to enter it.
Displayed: 12h16
